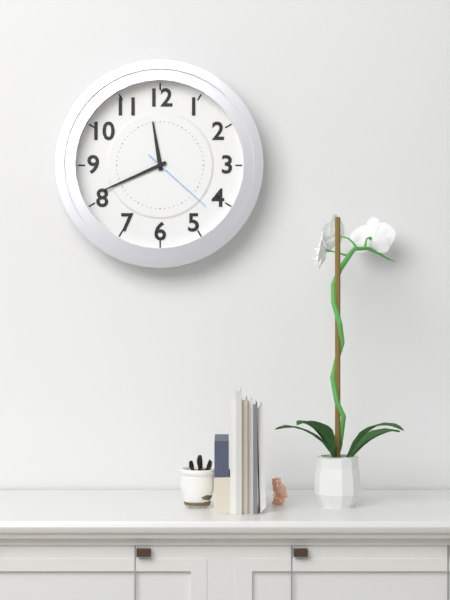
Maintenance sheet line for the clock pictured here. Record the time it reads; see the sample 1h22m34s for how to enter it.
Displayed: 11h41m22s
